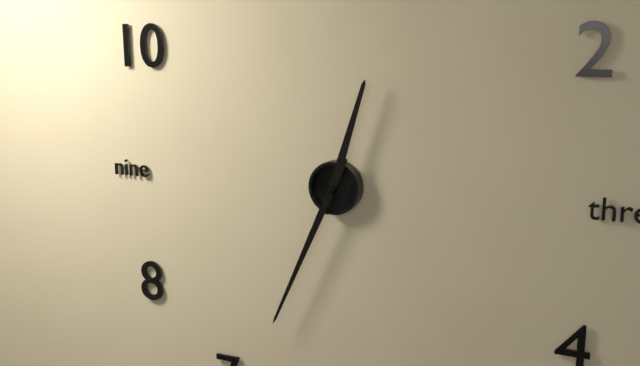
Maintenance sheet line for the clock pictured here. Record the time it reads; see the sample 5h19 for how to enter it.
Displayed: 12h34
